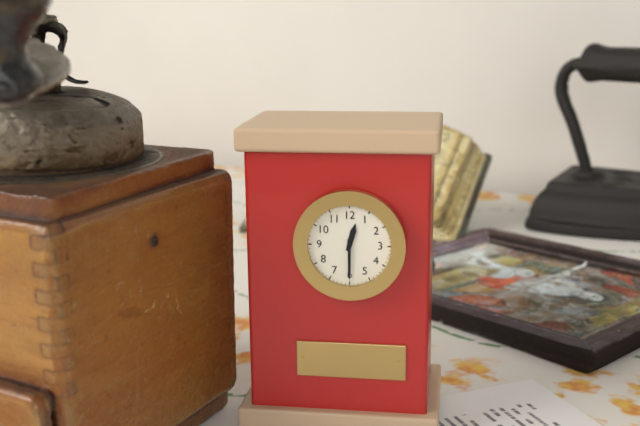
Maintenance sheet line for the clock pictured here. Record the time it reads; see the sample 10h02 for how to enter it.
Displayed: 12h30
